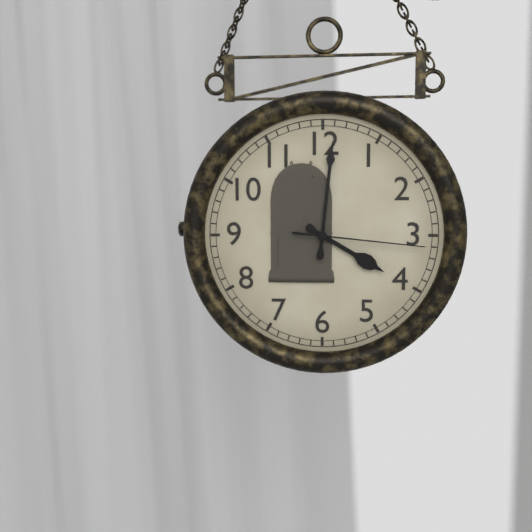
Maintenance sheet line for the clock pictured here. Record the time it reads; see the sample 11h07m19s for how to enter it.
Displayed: 4h01m16s
